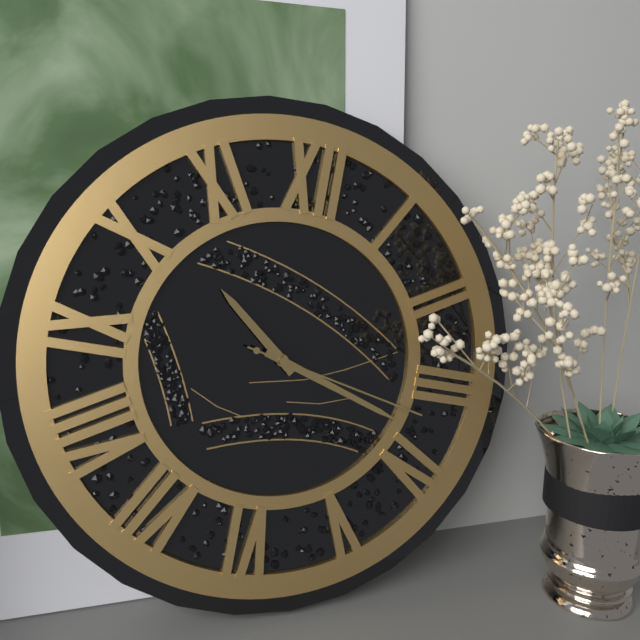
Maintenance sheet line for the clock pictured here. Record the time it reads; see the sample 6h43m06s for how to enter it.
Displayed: 10h18m17s
